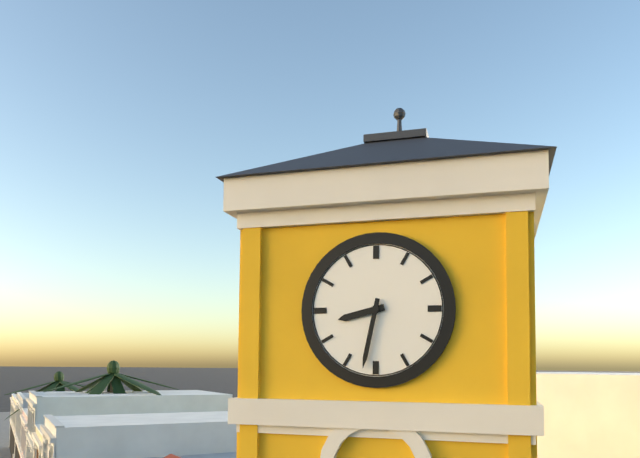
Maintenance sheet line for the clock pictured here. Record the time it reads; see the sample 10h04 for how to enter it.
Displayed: 8h32
